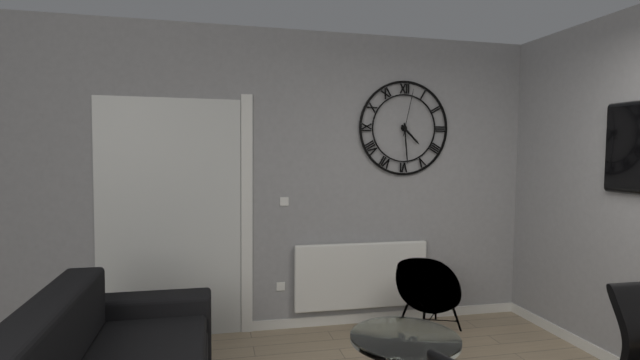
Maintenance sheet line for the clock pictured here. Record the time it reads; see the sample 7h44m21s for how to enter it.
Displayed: 4h29m02s
